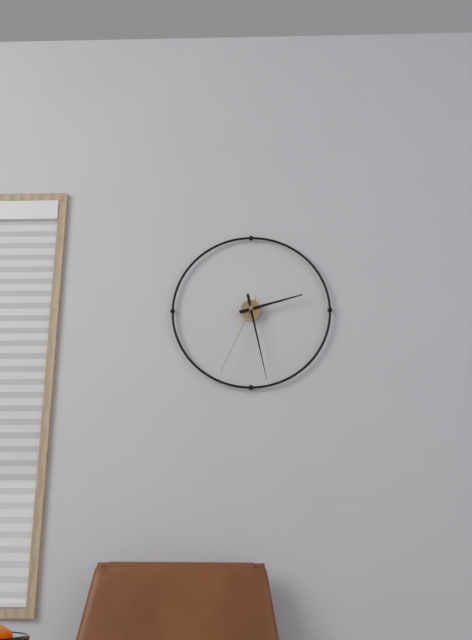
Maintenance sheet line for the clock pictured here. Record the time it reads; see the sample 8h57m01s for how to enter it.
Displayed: 2h28m34s
